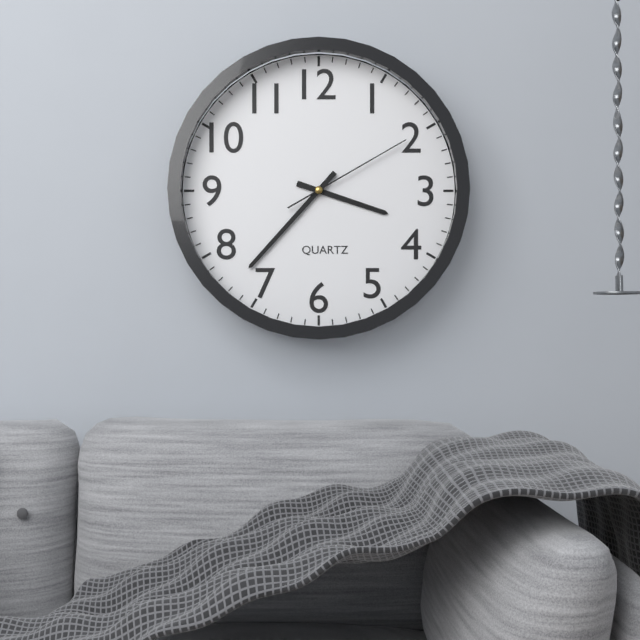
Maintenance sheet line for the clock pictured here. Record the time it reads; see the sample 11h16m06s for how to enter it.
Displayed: 3h37m10s
